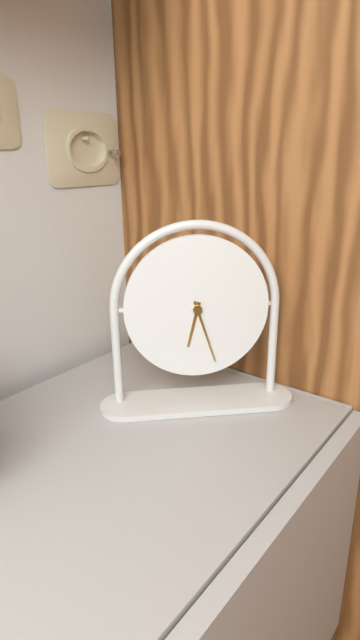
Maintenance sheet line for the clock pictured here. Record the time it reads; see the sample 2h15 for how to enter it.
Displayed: 6h27
